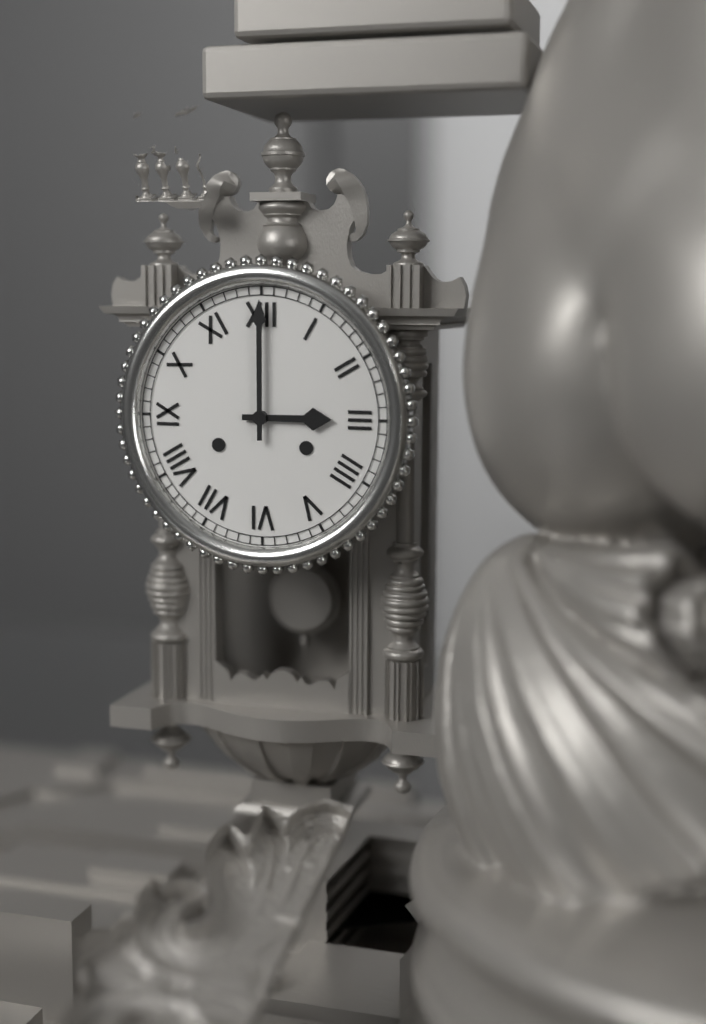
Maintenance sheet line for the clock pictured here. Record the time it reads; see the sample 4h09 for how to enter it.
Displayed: 3h00
